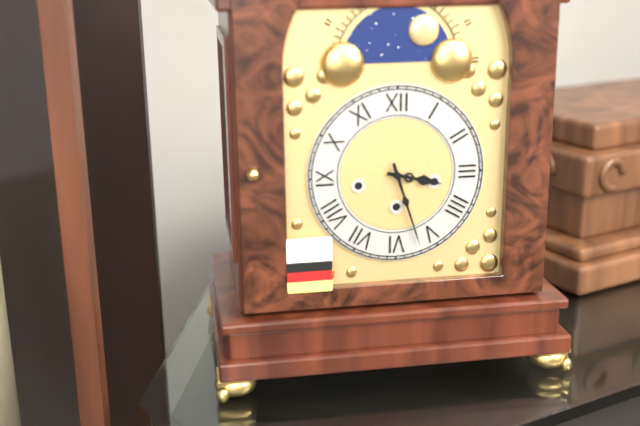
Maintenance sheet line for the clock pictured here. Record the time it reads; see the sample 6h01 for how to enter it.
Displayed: 3h27
